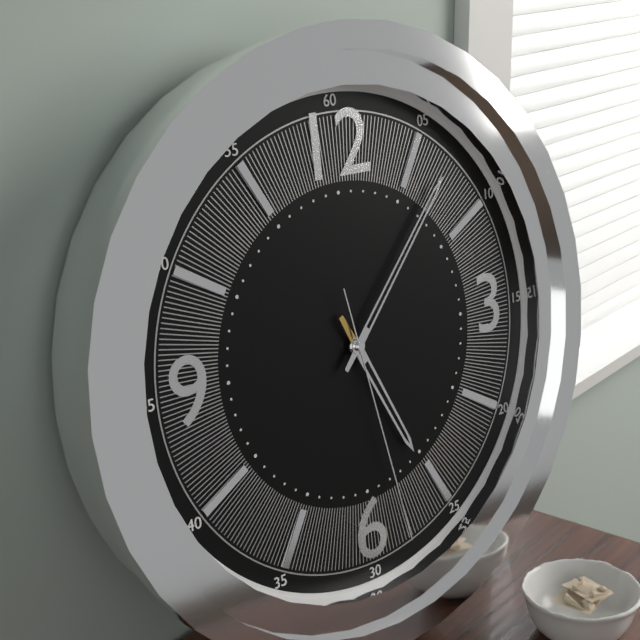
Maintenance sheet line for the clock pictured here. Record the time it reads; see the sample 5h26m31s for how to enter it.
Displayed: 5h07m28s
